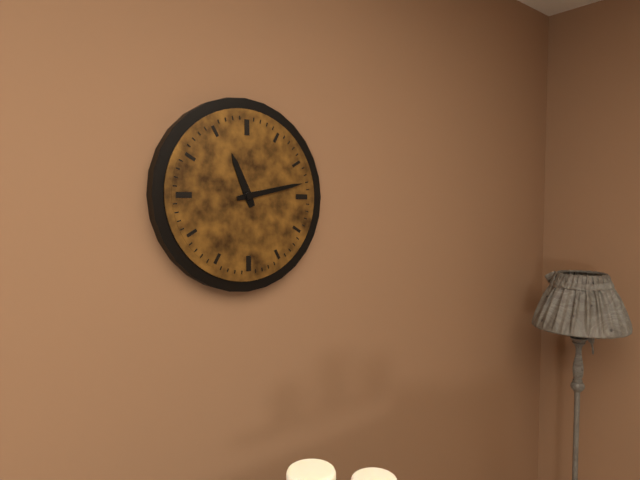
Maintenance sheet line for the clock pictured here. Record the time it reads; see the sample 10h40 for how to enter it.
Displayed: 11h13
